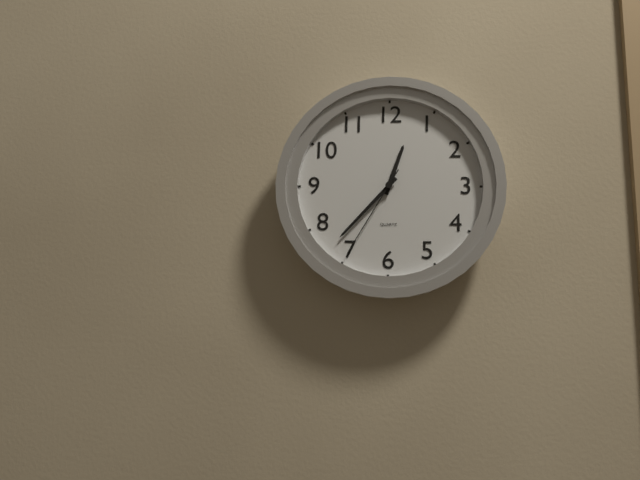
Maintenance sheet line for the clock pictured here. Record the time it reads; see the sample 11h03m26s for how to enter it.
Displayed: 12h37m35s
